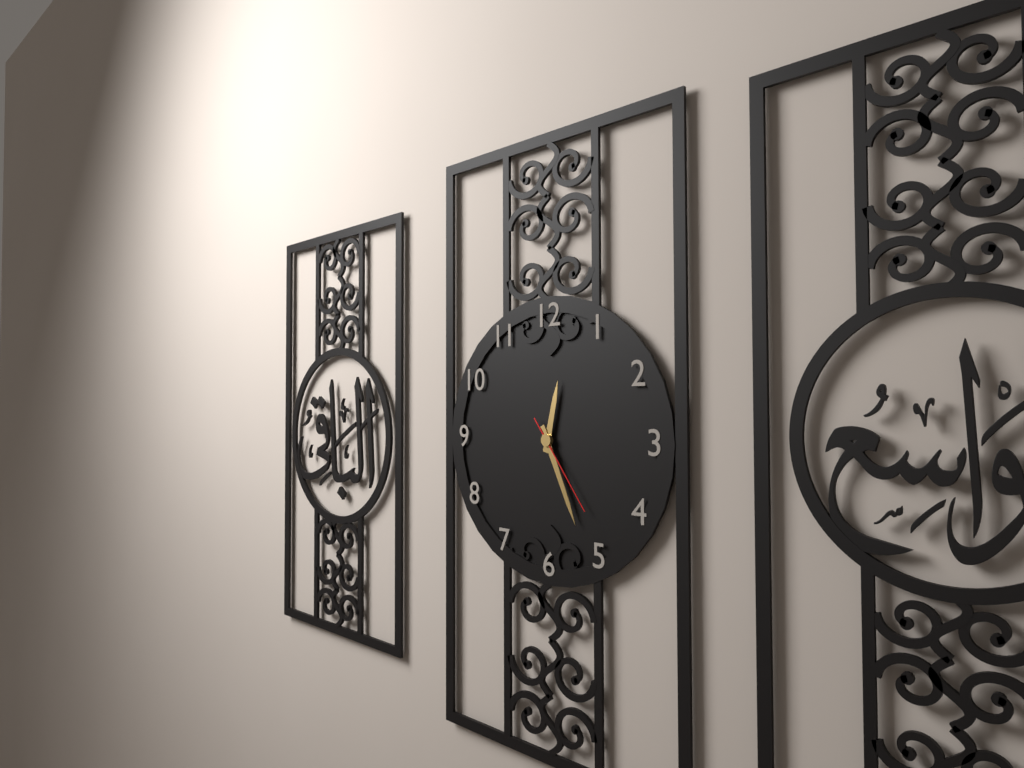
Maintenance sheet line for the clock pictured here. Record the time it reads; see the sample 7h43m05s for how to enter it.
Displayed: 12h26m24s
